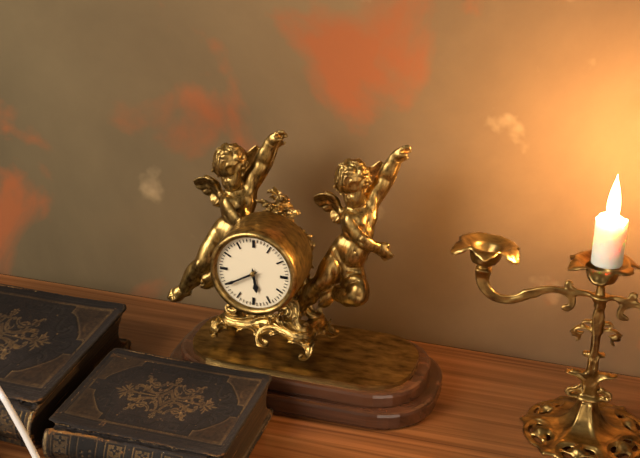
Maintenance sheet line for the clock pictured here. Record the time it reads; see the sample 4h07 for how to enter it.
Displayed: 5h40
